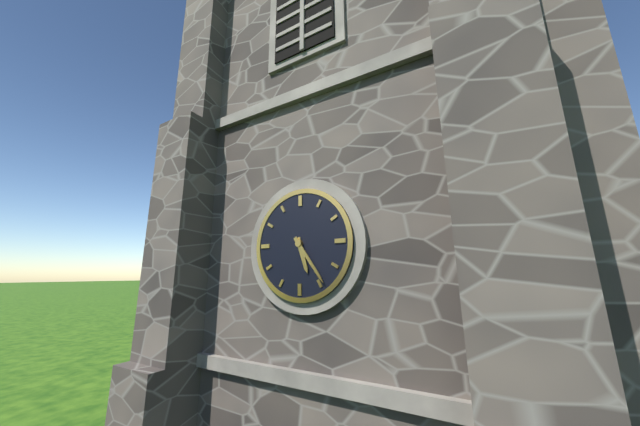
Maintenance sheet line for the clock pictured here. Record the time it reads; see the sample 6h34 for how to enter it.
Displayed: 5h24
